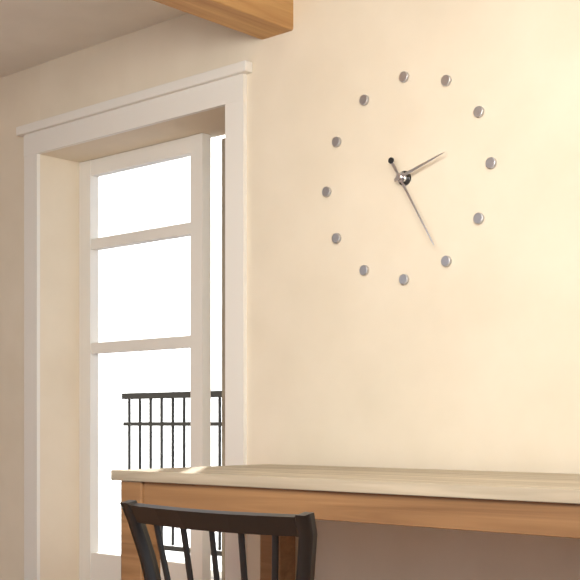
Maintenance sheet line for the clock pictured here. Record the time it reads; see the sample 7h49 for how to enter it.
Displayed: 2h25
